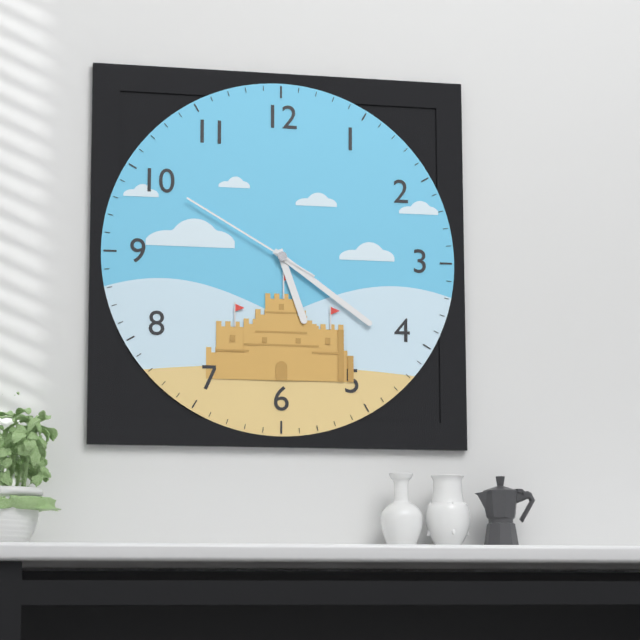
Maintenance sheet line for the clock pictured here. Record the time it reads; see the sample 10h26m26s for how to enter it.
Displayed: 5h21m50s
